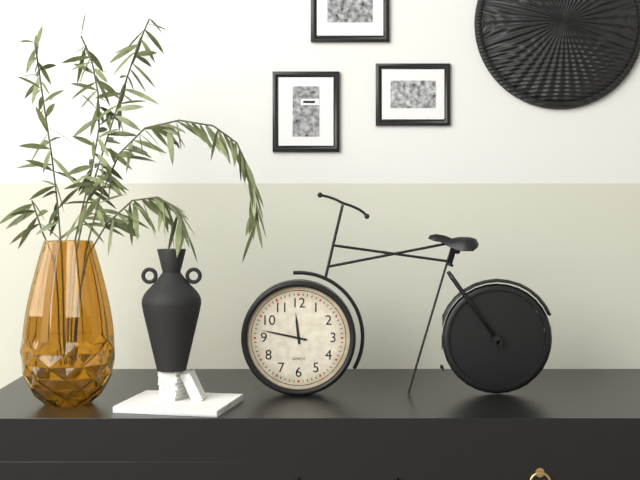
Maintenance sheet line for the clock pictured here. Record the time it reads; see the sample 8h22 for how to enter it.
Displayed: 11h47
